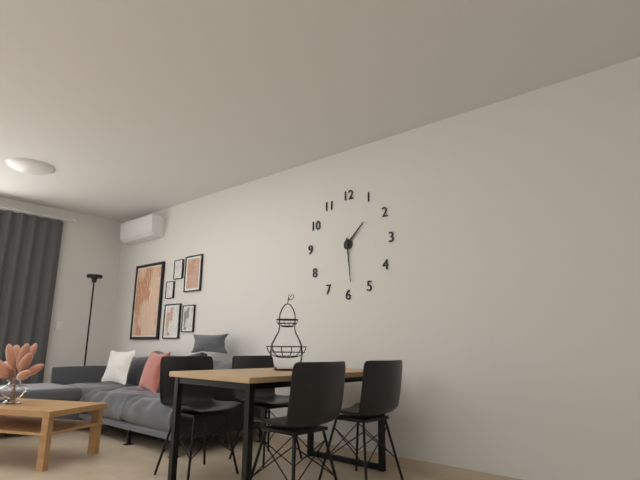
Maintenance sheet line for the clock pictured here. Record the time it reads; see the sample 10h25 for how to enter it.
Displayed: 1h29
